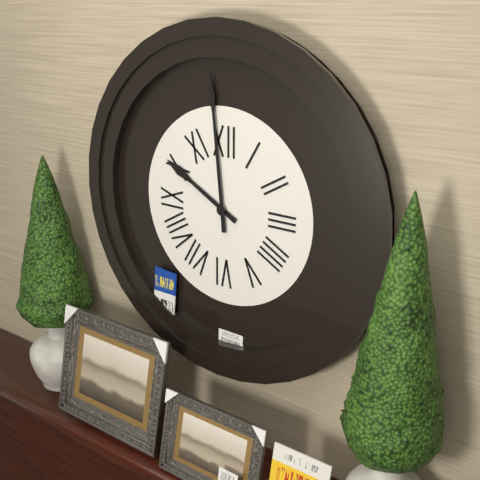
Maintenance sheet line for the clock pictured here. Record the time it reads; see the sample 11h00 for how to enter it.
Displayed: 9h59
